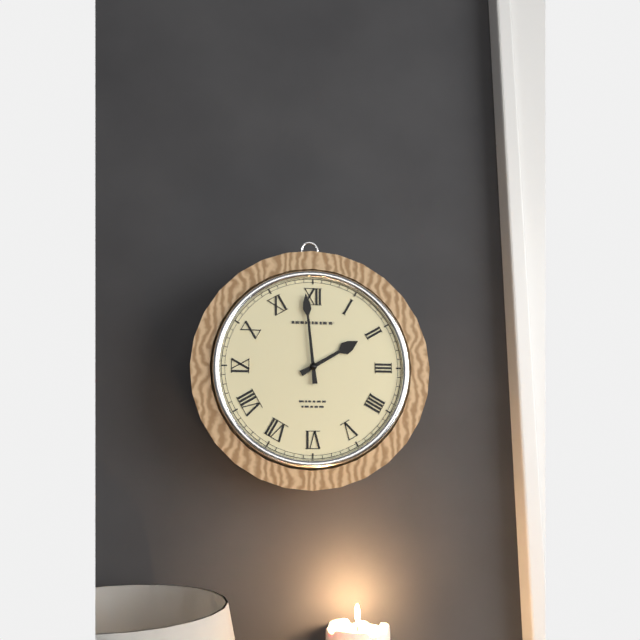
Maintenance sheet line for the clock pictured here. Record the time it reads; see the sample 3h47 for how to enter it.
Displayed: 1h59
